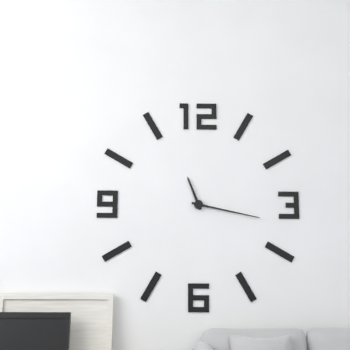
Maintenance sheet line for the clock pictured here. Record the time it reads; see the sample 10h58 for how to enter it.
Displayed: 11h17
